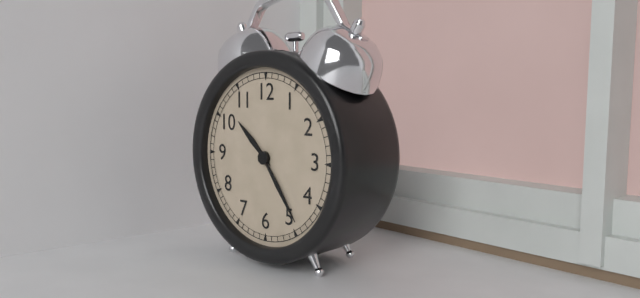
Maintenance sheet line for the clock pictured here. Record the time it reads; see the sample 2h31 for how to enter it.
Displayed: 10h24
